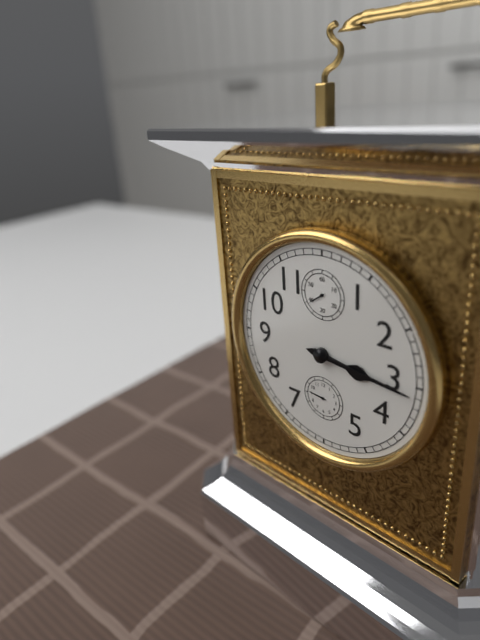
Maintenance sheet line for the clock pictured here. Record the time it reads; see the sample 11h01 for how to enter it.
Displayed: 3h16
